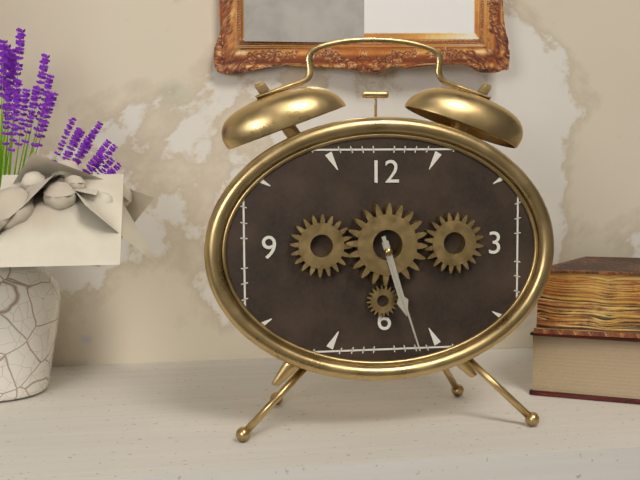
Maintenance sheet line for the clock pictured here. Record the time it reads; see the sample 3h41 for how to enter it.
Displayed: 5h27
